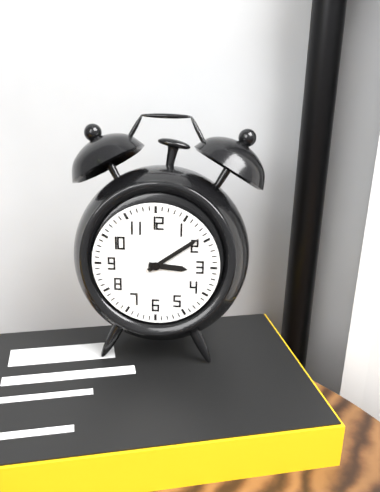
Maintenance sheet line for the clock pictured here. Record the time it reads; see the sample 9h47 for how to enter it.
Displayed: 3h09
